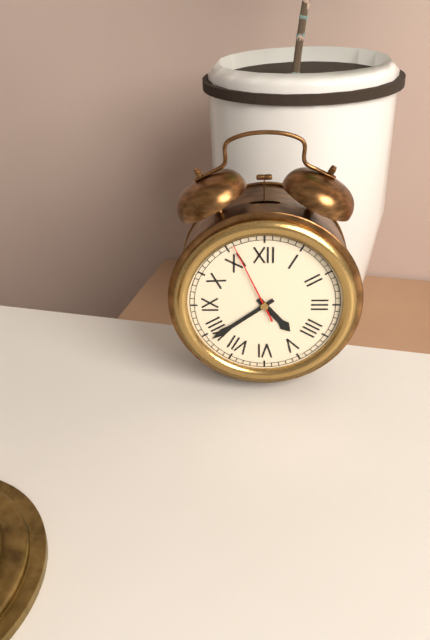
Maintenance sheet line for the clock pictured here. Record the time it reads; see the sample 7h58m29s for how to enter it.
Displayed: 4h39m56s
